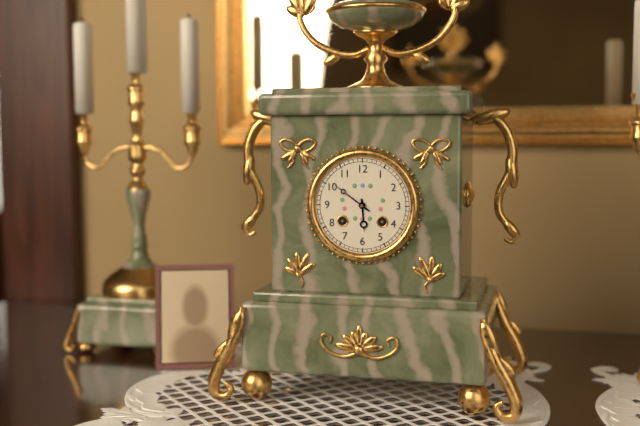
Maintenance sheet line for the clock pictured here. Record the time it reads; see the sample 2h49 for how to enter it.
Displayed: 5h51
